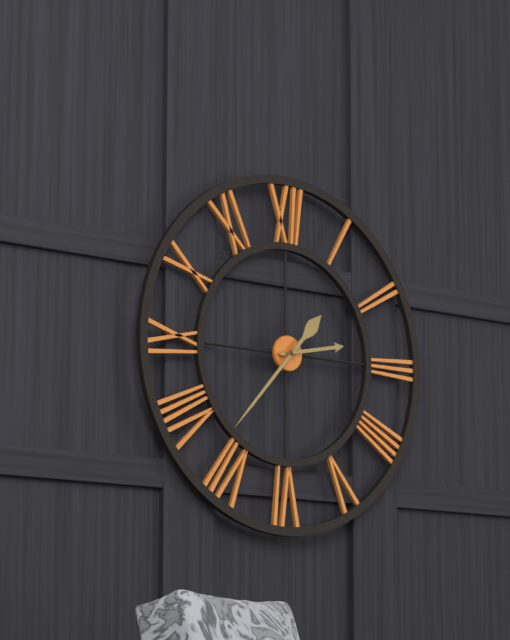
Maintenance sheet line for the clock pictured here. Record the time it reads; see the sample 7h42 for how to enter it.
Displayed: 2h37
